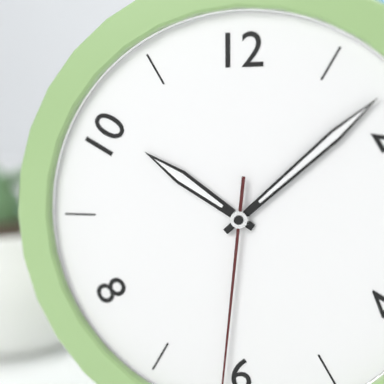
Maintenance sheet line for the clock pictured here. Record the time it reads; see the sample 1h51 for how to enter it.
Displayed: 10h08
